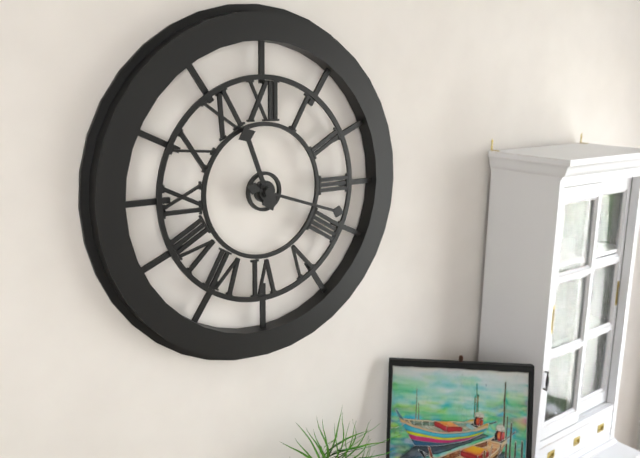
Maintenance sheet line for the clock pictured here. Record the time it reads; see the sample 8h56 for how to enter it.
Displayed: 11h18
